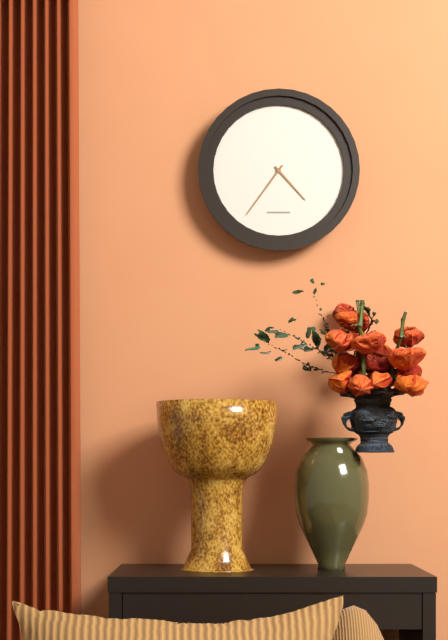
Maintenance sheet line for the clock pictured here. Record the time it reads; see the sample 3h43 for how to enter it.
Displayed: 4h36
